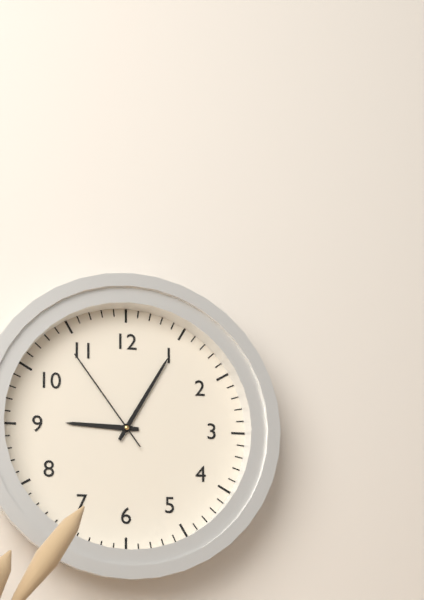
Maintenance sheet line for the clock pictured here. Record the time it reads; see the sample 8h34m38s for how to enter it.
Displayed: 9h05m54s
